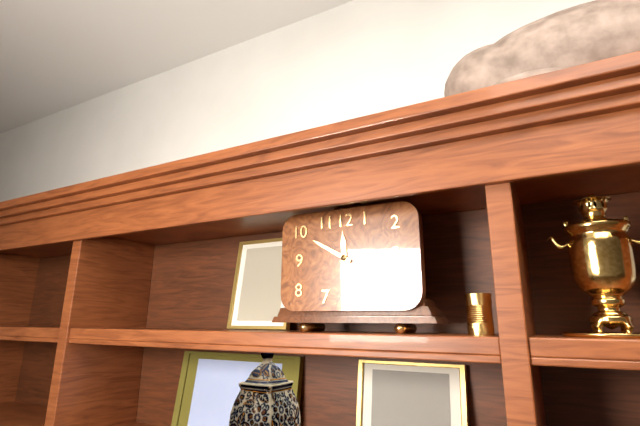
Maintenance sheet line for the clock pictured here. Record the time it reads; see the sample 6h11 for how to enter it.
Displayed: 11h50
